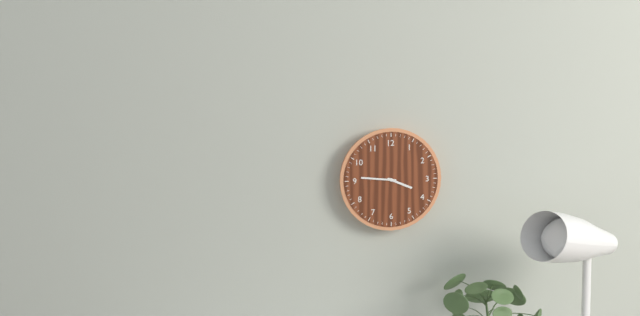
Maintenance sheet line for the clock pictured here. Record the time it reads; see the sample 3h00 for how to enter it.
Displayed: 3h46
